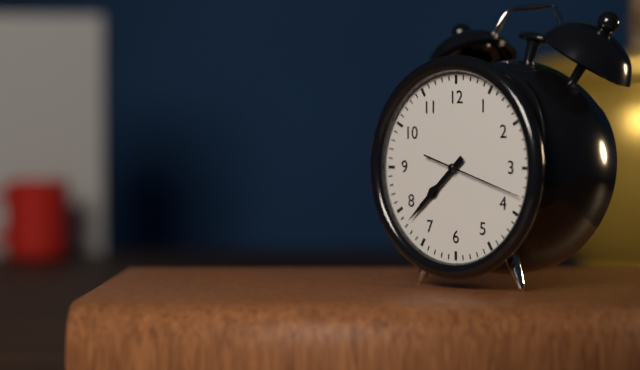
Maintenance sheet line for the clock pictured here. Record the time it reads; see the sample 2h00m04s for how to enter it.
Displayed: 7h38m18s
